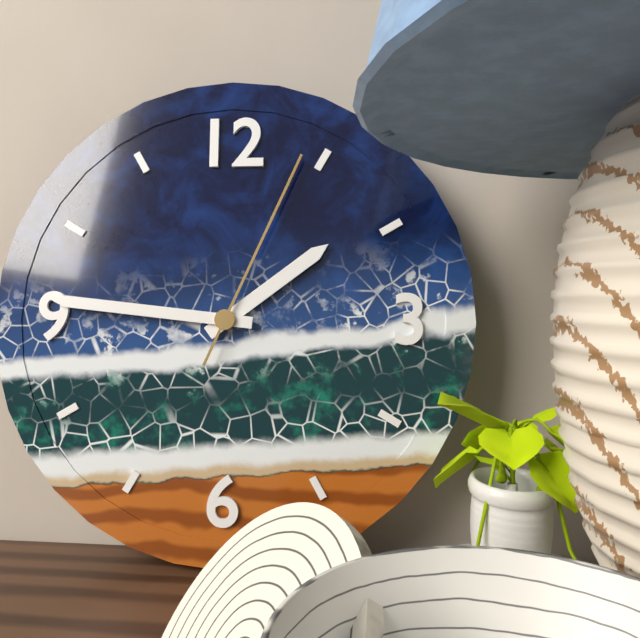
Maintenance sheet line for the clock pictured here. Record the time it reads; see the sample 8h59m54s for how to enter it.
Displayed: 1h46m04s
